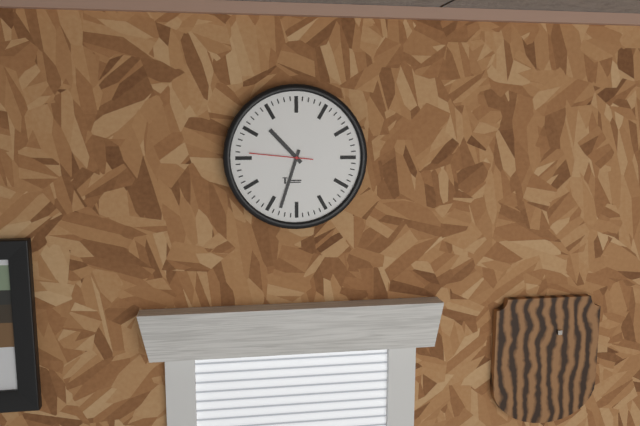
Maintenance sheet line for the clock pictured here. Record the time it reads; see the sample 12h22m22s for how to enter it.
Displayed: 10h33m46s
